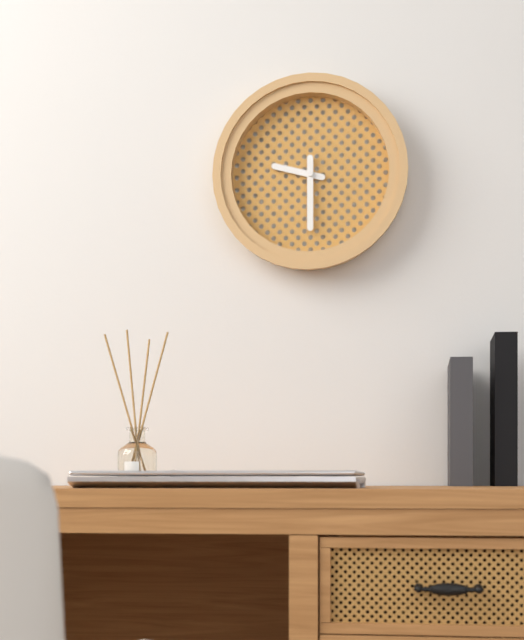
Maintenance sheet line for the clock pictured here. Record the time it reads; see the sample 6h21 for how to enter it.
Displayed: 9h30
